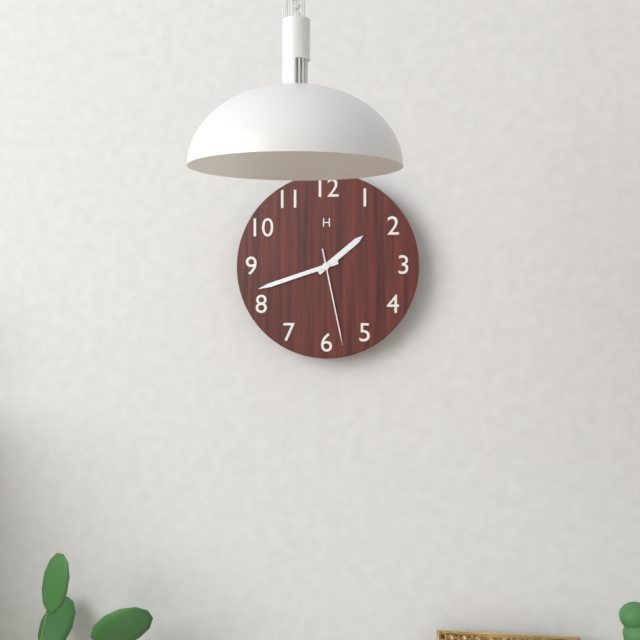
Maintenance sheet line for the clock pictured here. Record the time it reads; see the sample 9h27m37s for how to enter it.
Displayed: 1h42m28s
